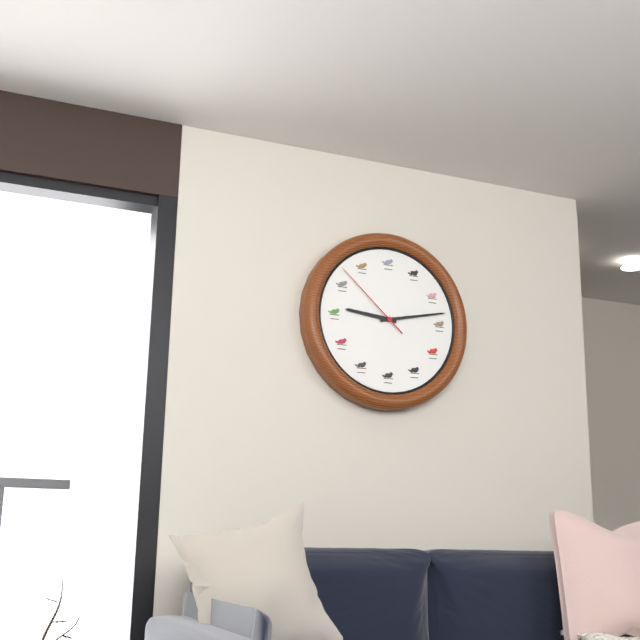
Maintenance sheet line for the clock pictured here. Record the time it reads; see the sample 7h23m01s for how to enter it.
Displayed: 9h13m52s
